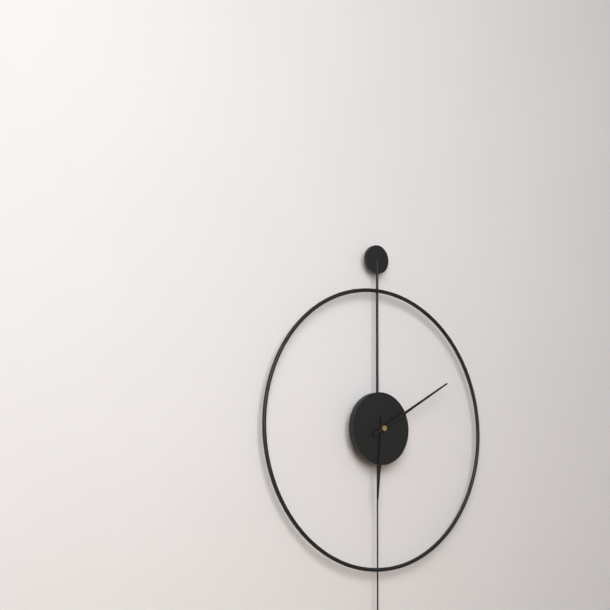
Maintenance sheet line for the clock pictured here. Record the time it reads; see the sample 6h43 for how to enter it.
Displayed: 6h10
